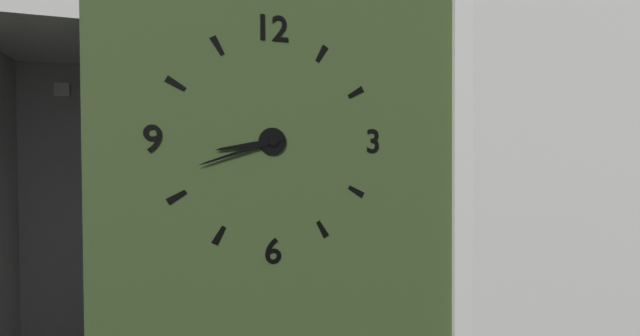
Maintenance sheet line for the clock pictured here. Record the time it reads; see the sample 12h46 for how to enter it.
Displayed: 8h42
